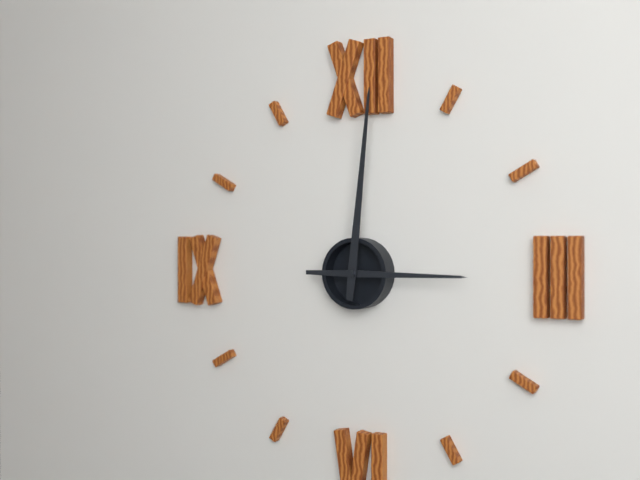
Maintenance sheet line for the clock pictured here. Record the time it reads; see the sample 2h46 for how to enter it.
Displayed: 3h01
